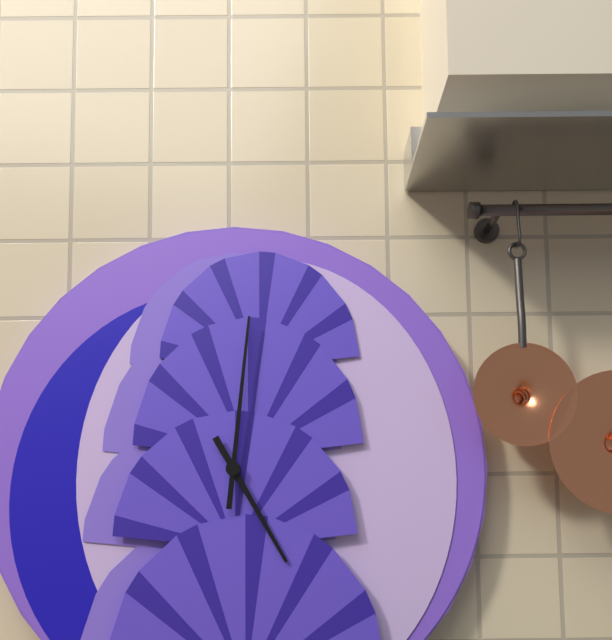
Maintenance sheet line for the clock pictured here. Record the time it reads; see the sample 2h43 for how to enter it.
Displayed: 5h01
